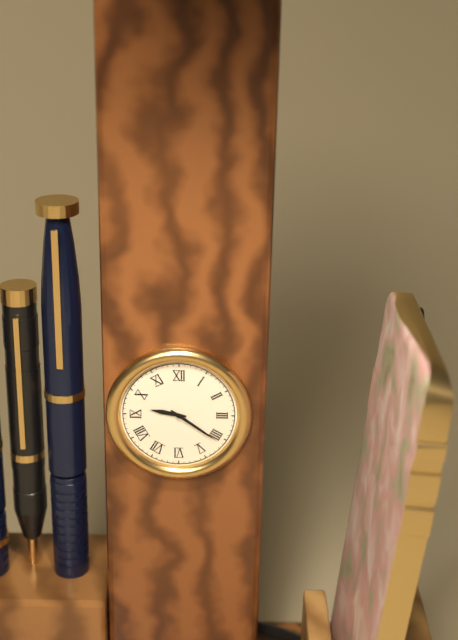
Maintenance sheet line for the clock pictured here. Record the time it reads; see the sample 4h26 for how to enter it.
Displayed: 9h21
